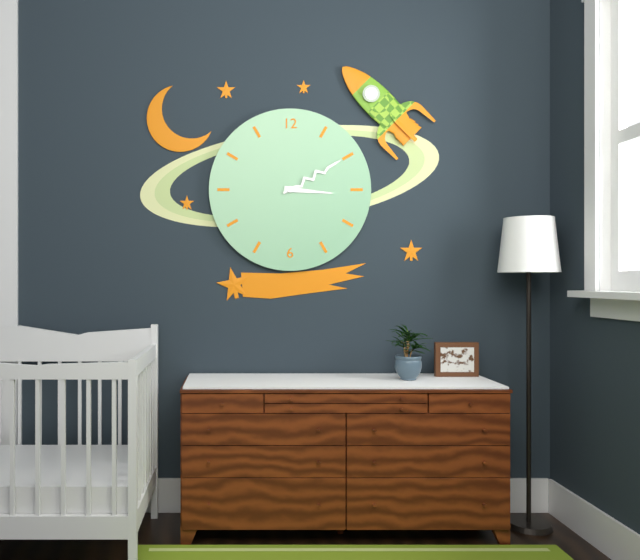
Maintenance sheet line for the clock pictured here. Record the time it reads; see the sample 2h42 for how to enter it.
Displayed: 3h10
